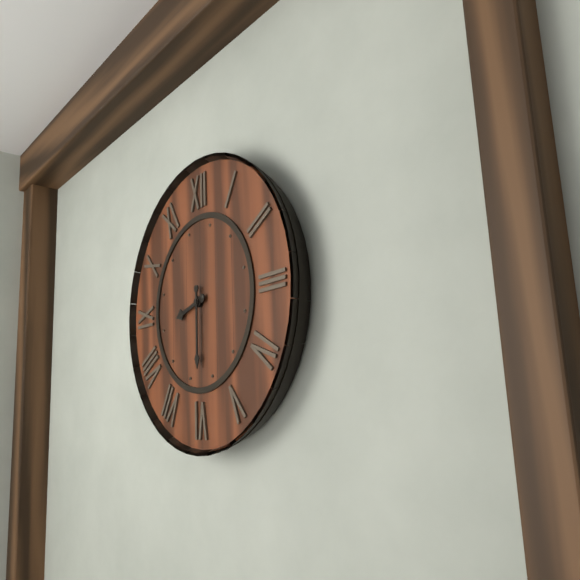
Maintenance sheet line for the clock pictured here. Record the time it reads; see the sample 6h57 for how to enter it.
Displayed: 8h30
